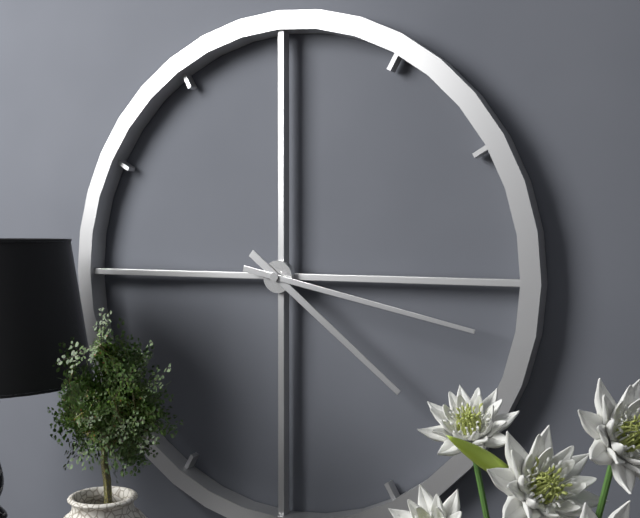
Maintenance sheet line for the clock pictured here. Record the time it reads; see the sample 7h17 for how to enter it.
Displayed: 4h17
